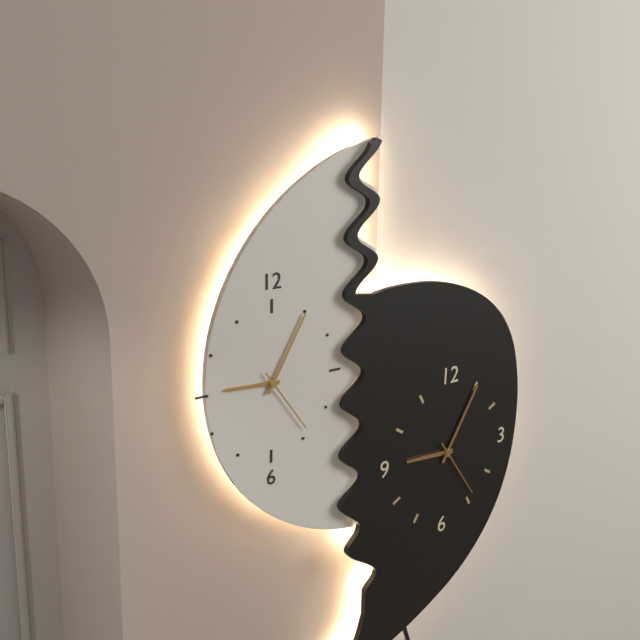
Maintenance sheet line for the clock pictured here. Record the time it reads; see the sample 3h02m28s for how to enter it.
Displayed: 9h05m24s
